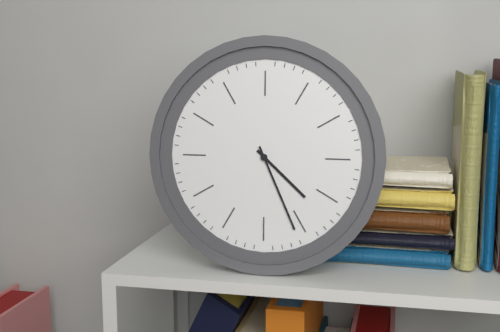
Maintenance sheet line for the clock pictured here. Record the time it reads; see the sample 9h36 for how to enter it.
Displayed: 4h26
